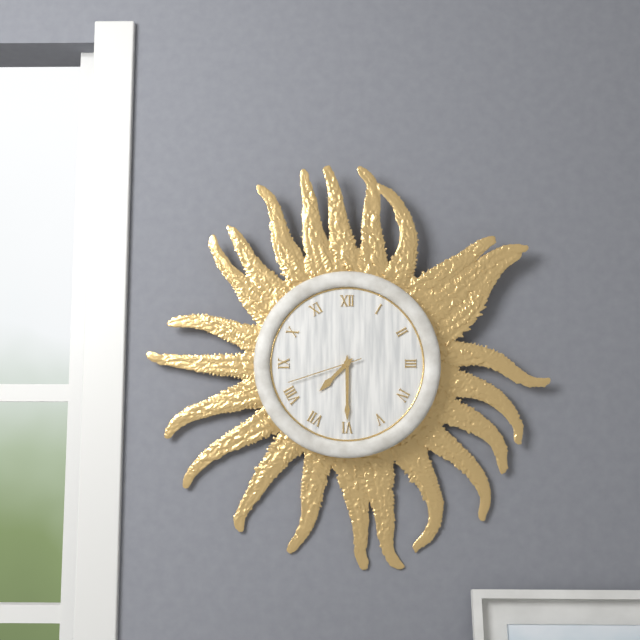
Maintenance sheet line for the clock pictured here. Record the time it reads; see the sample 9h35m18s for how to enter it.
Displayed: 7h30m42s
